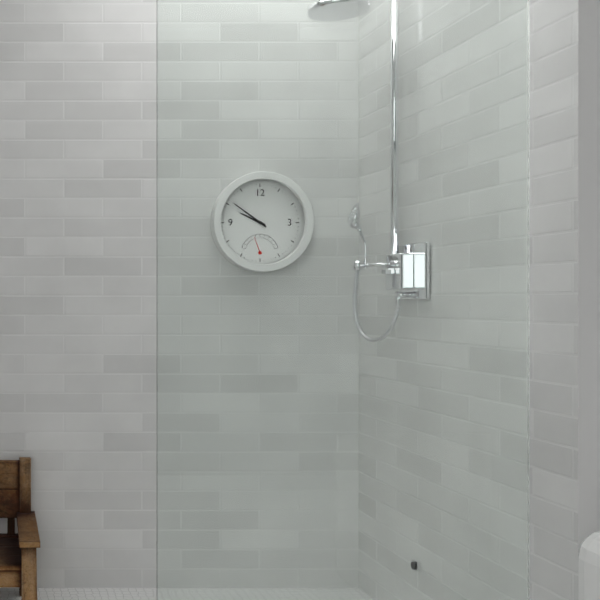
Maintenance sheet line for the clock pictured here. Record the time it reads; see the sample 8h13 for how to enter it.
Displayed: 9h51
